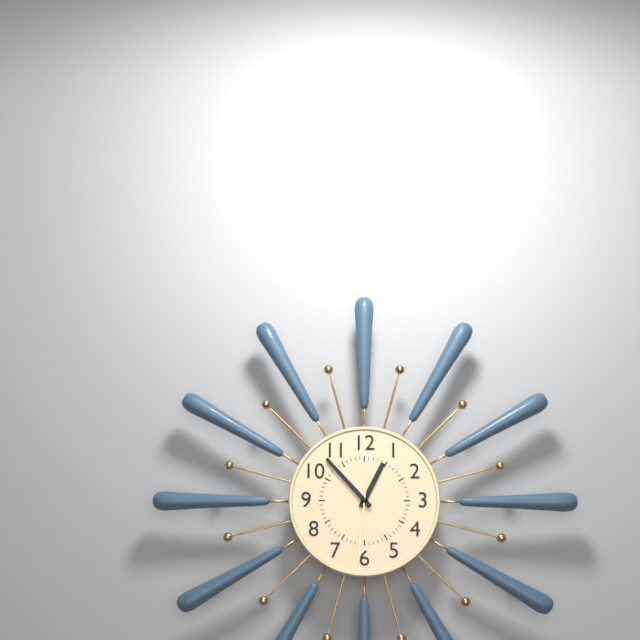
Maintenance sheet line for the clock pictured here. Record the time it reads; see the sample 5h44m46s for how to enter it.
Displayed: 12h53m31s
